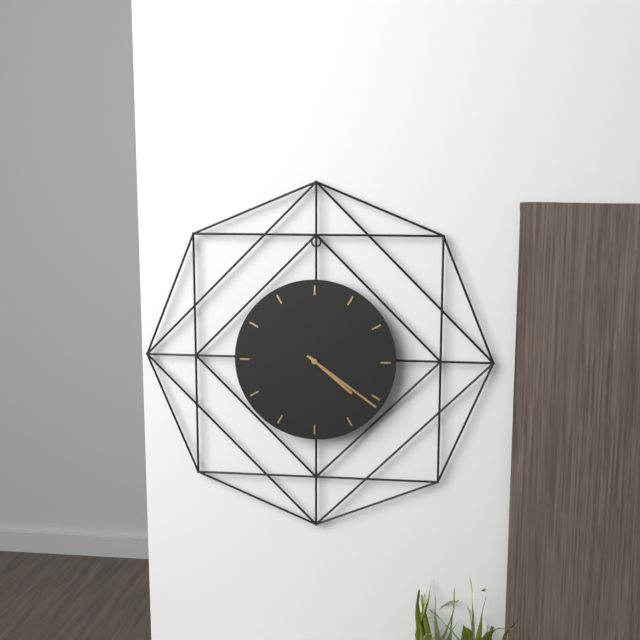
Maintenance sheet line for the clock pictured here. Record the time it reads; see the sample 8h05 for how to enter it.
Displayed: 4h21
